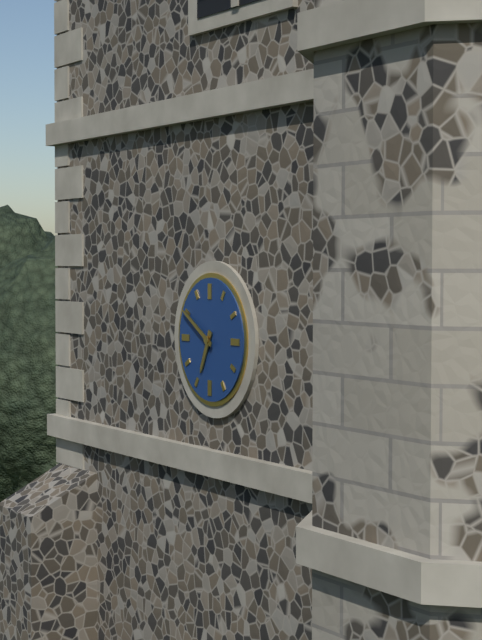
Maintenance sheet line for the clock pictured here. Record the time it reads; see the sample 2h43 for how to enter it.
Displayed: 6h50
